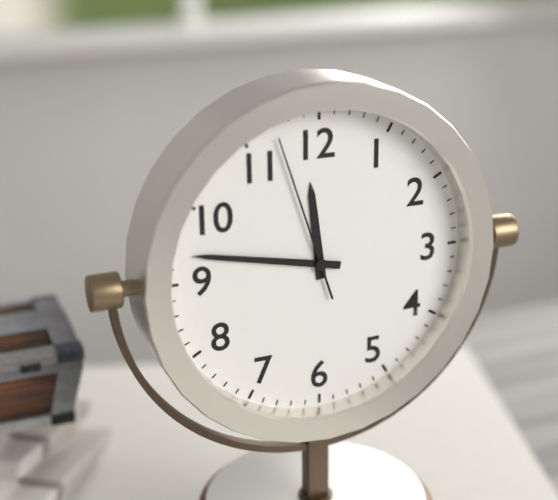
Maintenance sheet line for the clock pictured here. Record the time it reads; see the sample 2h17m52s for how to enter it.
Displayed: 11h47m57s
